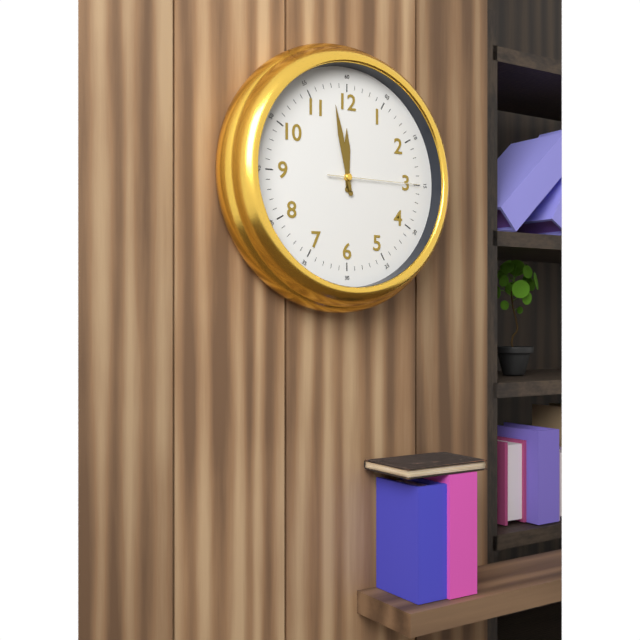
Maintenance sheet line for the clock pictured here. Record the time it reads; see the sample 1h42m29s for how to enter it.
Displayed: 11h58m15s
